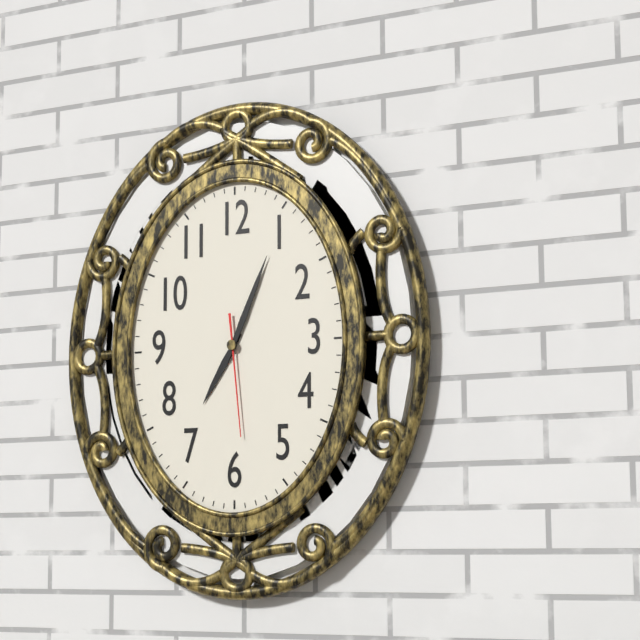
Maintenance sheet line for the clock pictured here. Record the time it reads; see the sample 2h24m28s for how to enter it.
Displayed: 7h04m29s
